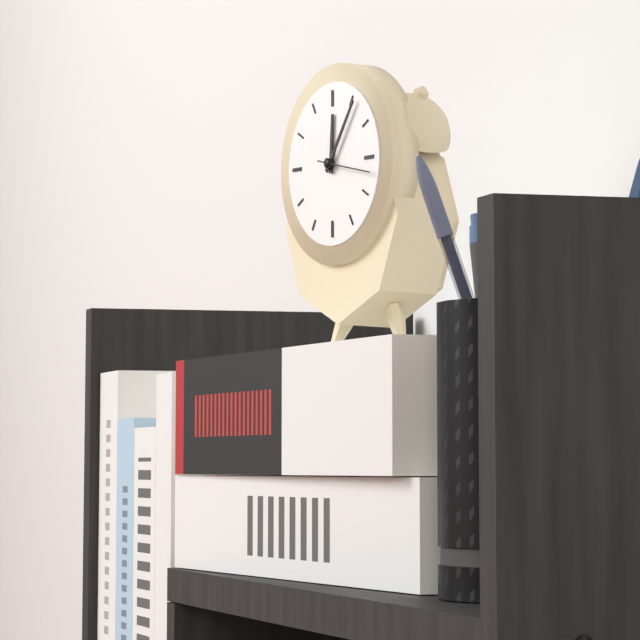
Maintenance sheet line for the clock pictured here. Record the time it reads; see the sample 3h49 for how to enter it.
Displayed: 12h06
